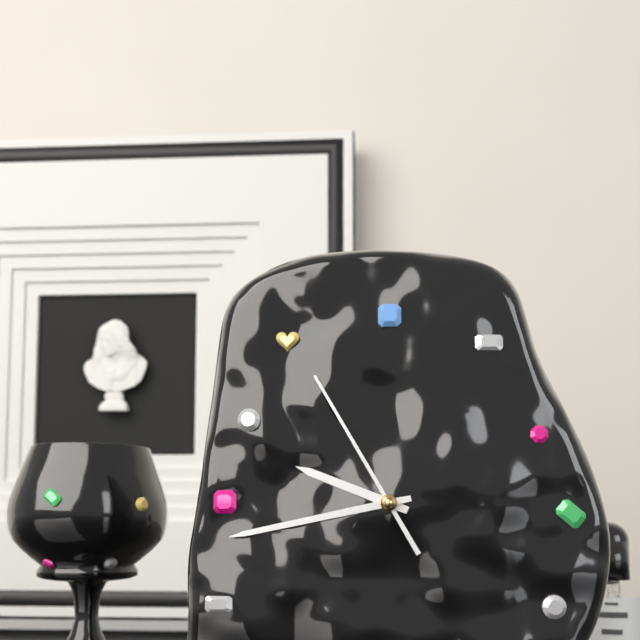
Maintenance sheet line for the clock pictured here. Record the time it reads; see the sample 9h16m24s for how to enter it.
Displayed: 9h43m55s
